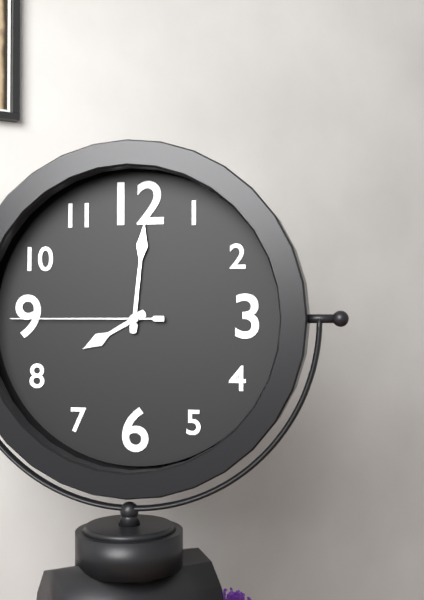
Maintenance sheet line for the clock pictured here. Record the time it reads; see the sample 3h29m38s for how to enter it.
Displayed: 8h01m45s
